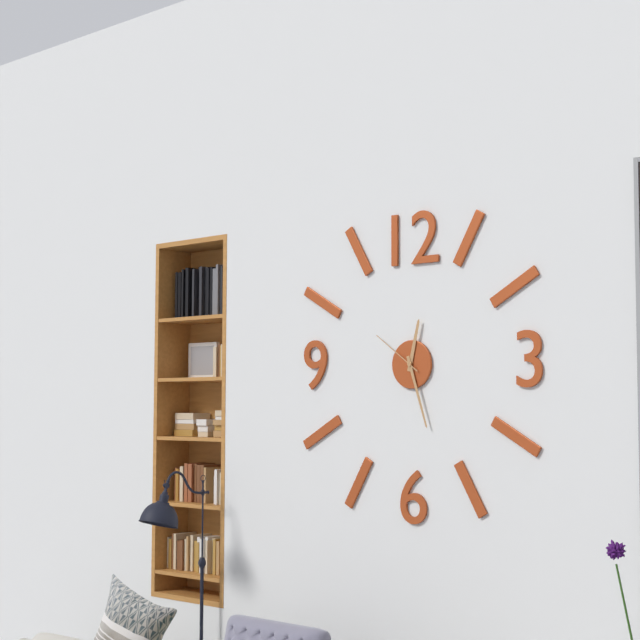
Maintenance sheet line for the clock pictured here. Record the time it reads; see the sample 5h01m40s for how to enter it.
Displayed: 12h27m51s
